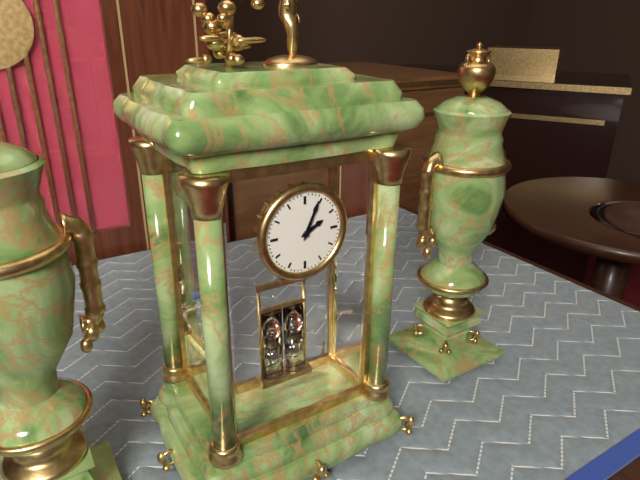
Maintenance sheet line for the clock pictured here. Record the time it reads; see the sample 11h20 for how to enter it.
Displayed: 2h04
